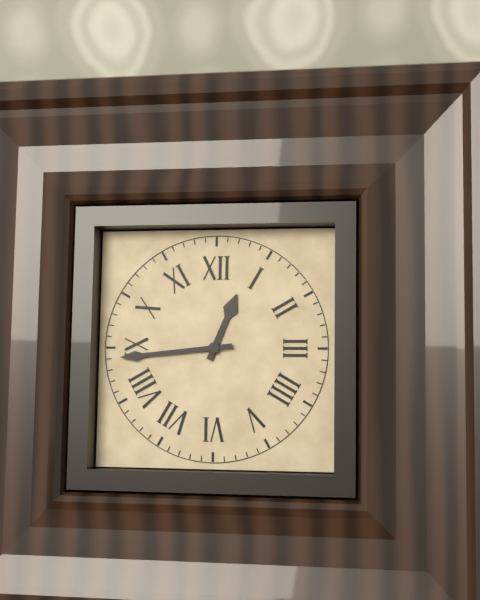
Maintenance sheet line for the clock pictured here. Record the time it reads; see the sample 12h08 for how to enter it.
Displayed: 12h44
